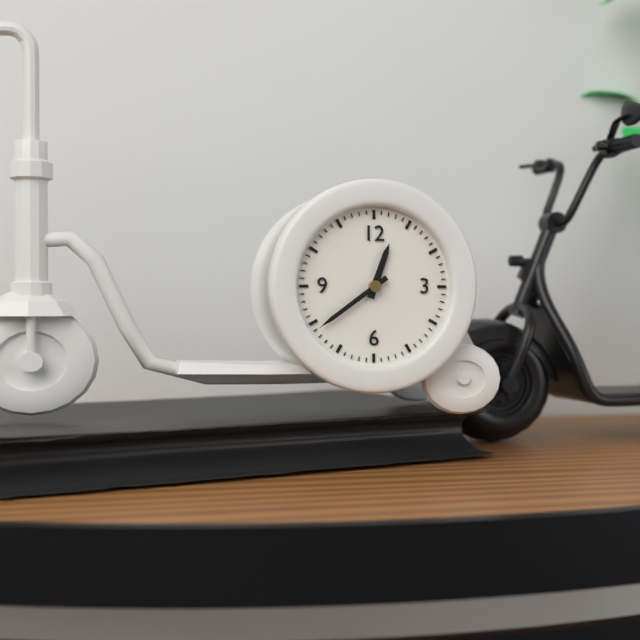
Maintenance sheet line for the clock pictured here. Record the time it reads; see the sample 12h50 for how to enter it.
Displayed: 12h39
